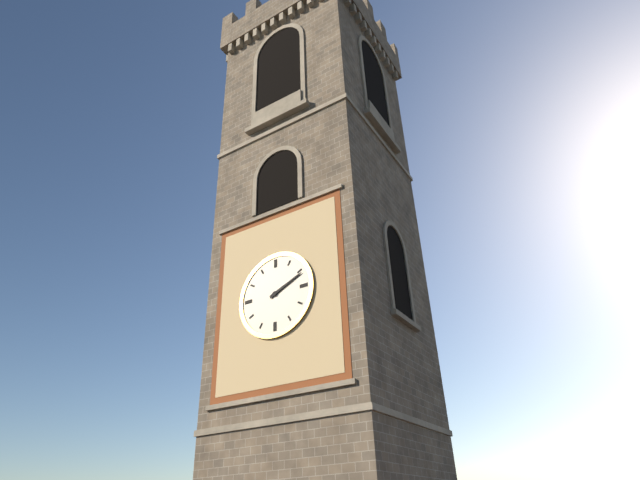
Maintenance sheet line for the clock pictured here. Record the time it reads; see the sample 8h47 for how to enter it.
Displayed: 2h11
